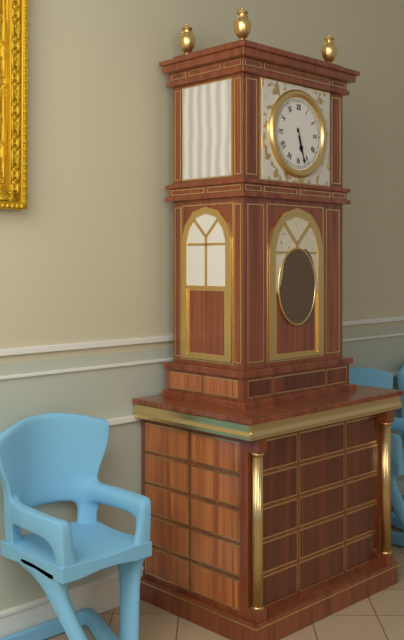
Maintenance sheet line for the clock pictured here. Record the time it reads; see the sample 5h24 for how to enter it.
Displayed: 5h27
